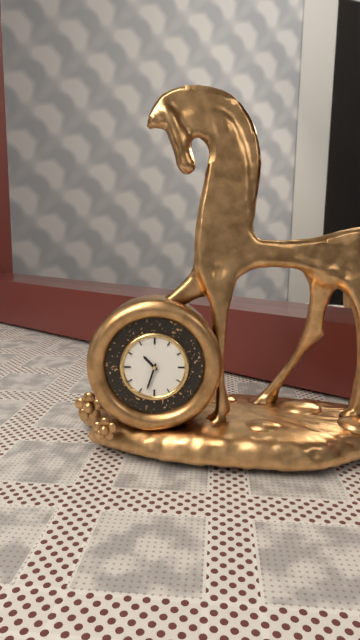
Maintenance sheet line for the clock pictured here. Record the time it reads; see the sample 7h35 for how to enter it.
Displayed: 10h33
